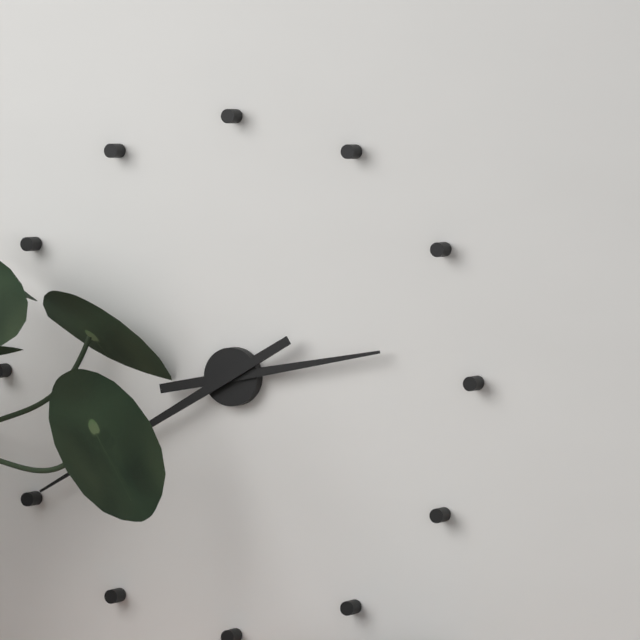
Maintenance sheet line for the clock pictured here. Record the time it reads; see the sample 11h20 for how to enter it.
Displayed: 2h40
